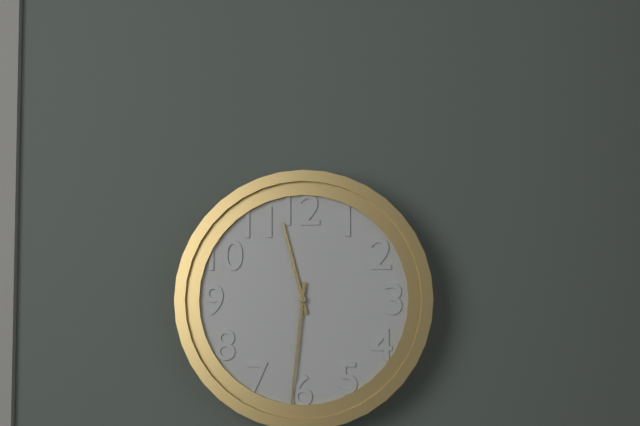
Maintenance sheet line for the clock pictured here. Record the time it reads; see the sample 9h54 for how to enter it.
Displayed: 11h31
